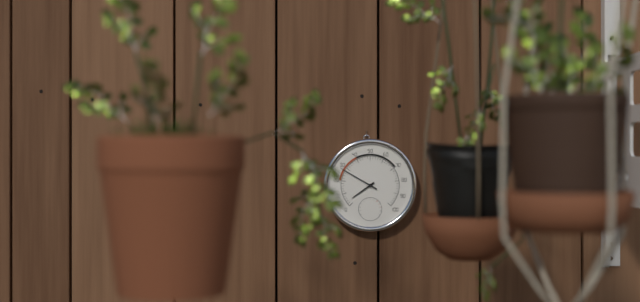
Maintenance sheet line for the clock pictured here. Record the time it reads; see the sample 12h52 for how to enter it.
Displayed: 7h50
